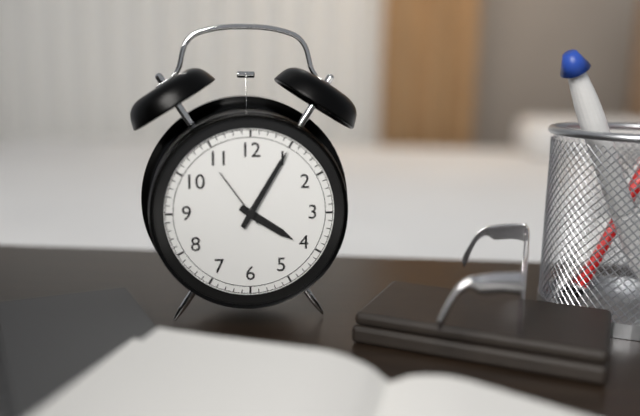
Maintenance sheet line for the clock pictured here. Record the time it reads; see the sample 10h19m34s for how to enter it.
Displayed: 4h05m54s
